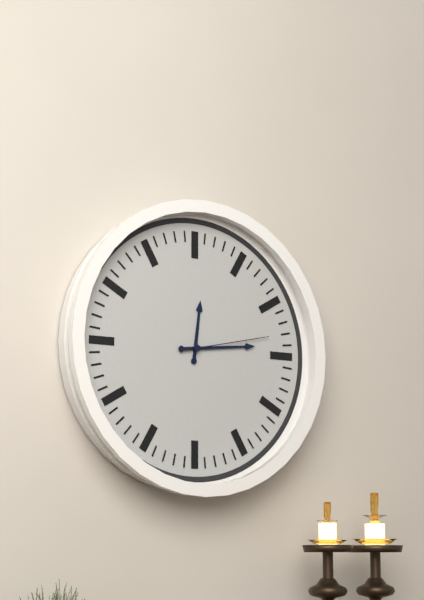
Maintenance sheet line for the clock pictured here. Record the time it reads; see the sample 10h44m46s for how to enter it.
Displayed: 12h14m13s
